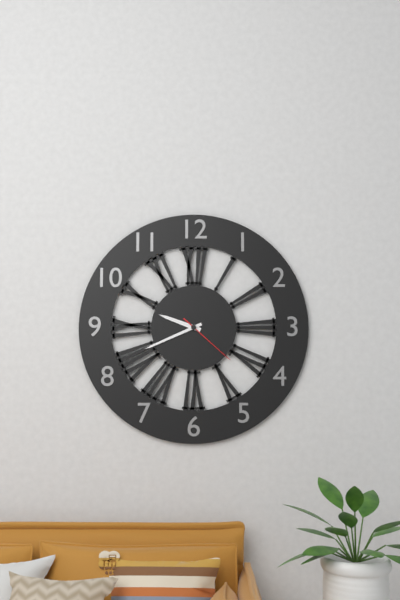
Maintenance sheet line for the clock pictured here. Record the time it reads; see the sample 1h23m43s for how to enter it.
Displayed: 9h41m22s
